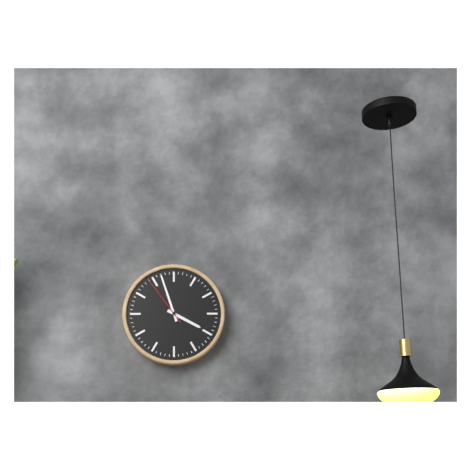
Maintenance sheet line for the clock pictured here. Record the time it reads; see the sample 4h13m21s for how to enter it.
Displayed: 3h57m54s
